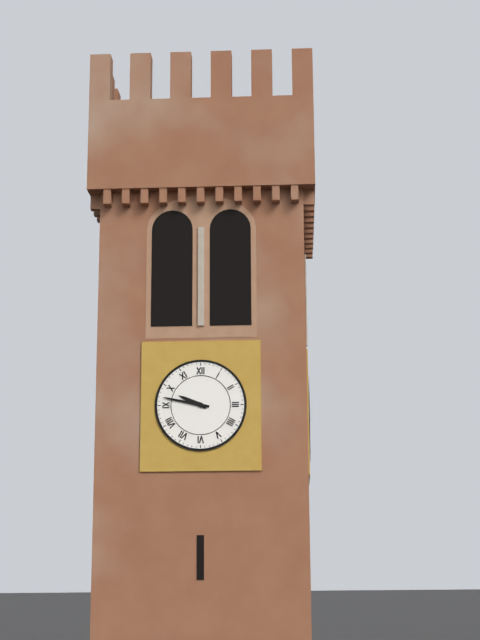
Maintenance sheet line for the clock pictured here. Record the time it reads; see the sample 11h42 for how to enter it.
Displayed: 9h47
